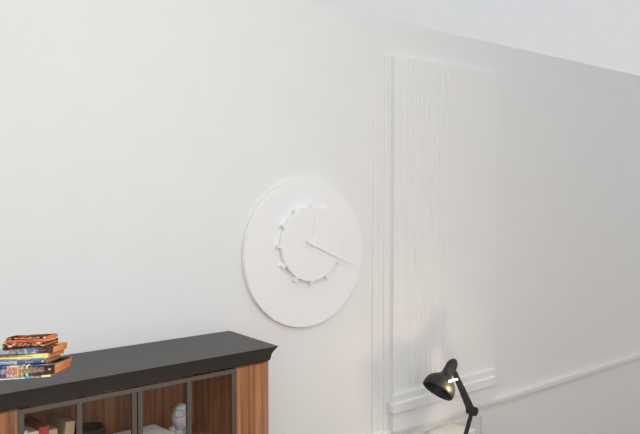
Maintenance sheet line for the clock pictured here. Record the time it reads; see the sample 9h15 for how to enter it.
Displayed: 12h19
